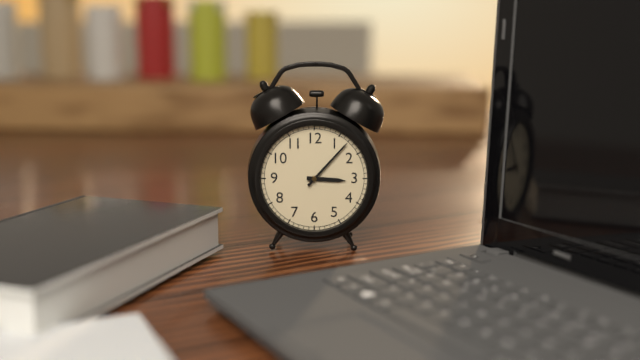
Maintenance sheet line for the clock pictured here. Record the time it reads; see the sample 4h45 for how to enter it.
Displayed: 3h07
